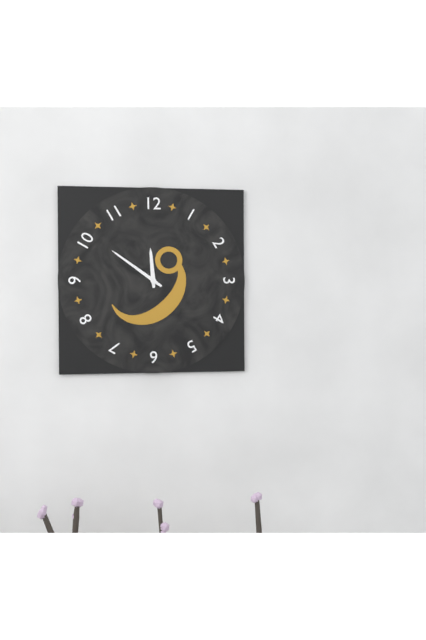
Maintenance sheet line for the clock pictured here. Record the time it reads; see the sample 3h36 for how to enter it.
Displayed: 11h51
